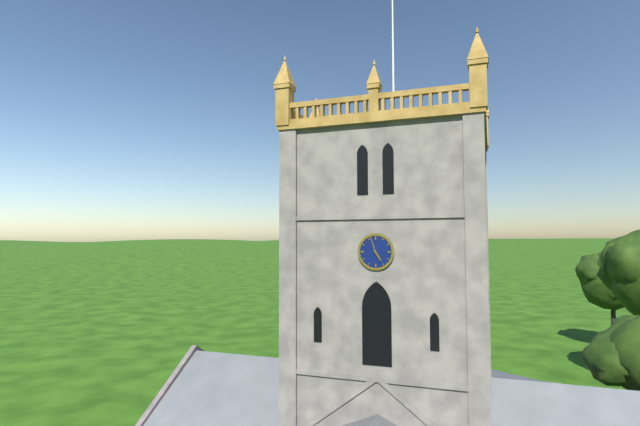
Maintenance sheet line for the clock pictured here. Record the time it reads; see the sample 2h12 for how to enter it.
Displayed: 4h57
